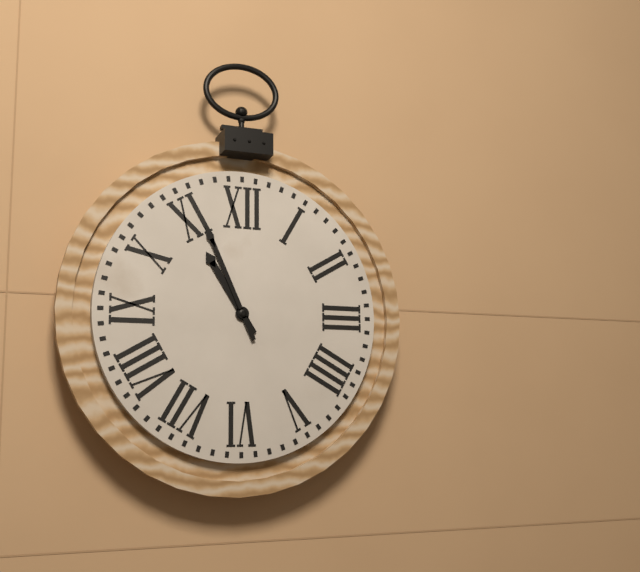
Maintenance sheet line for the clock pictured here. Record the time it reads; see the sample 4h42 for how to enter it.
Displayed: 10h56
